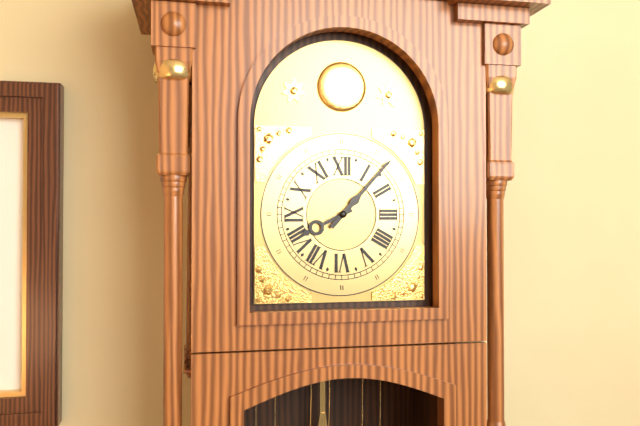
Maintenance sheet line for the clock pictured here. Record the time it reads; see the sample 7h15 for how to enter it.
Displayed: 8h07
